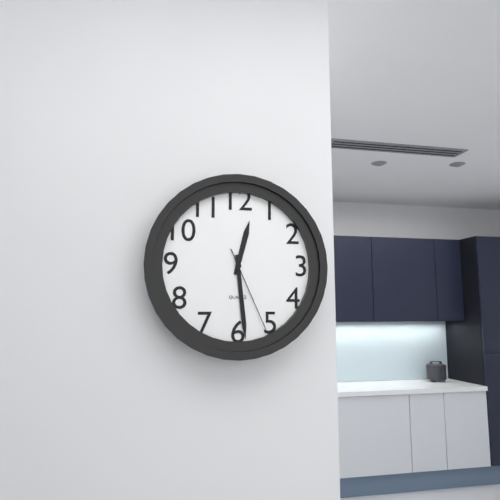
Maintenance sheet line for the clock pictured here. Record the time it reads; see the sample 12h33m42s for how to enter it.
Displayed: 12h29m26s
